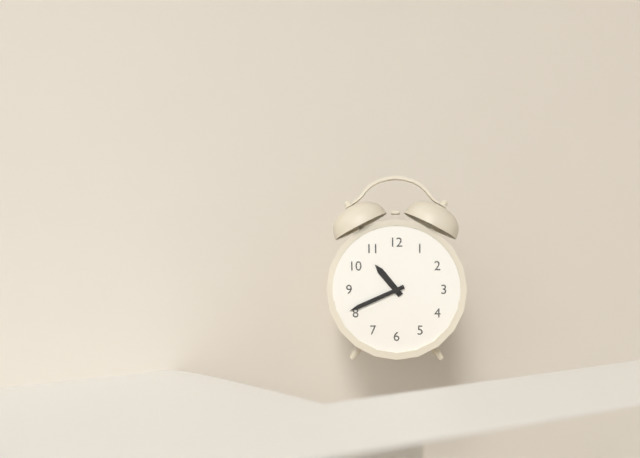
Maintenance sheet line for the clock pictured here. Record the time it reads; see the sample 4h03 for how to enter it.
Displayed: 10h41
